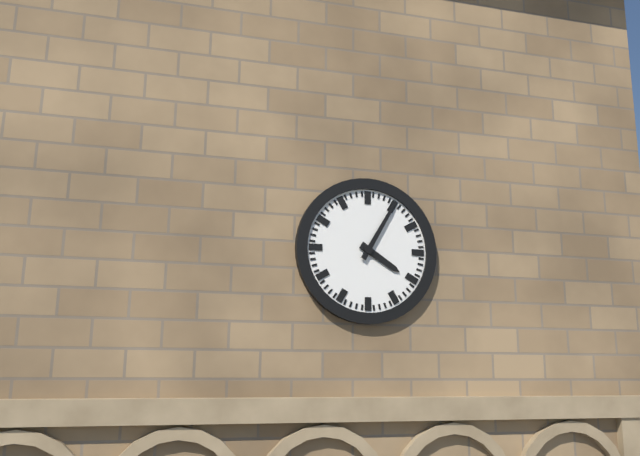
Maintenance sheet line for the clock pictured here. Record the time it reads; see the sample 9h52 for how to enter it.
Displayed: 4h05
